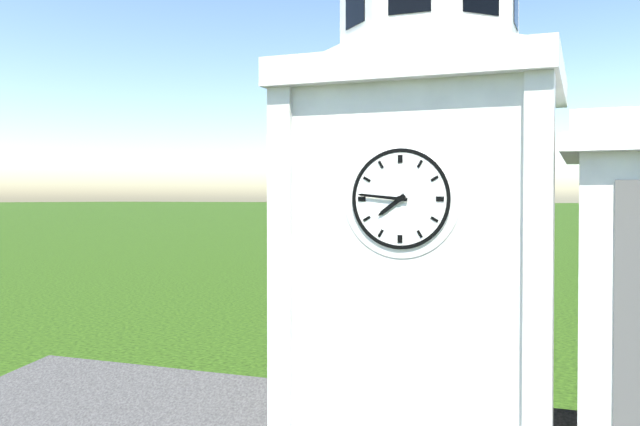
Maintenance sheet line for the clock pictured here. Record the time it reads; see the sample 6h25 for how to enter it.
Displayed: 7h46
